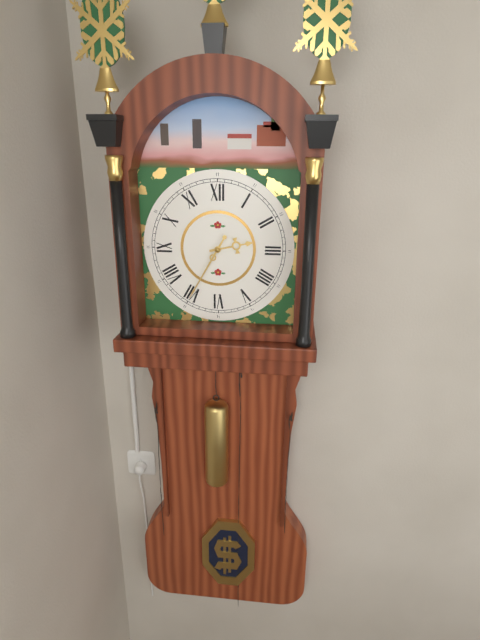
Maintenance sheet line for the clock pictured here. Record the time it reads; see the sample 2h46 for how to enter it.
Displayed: 2h35
